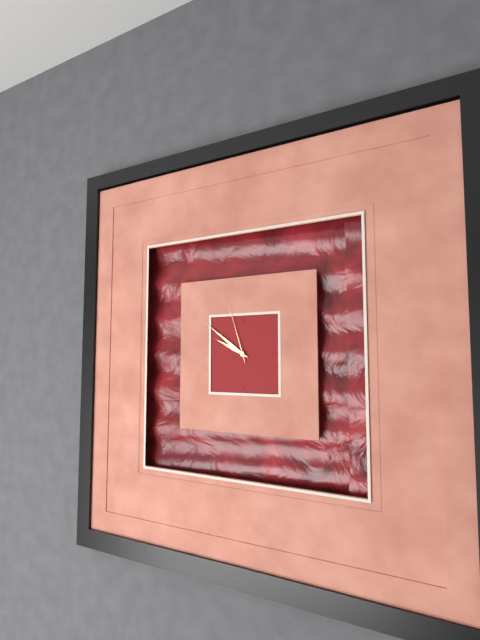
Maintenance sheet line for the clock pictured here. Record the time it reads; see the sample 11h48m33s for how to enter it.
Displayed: 9h51m57s
